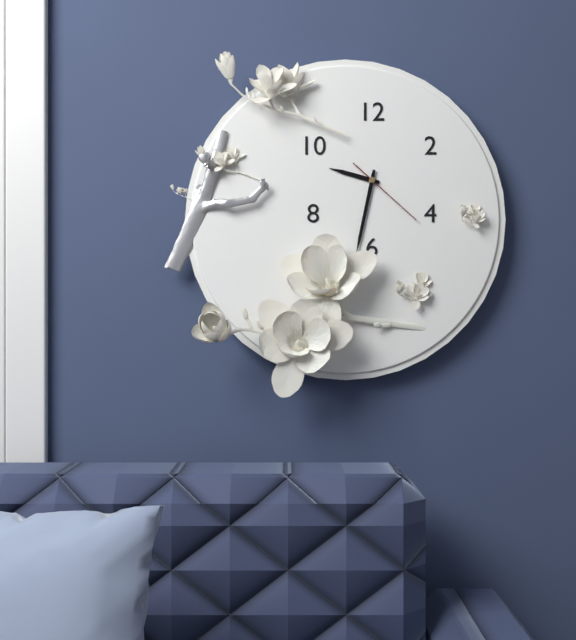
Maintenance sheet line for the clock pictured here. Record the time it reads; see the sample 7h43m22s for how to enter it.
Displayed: 9h32m22s
